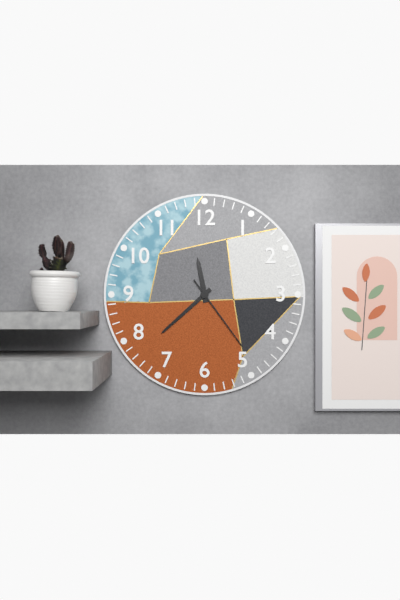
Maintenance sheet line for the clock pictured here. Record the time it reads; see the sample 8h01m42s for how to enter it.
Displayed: 11h38m24s
